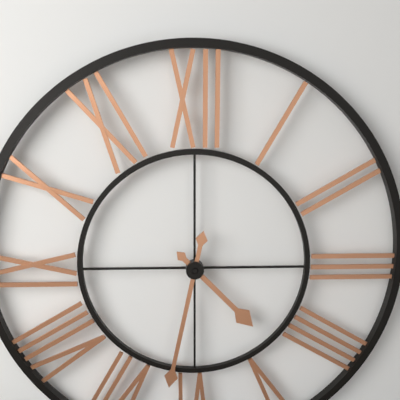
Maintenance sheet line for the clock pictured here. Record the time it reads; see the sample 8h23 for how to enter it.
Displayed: 4h32
